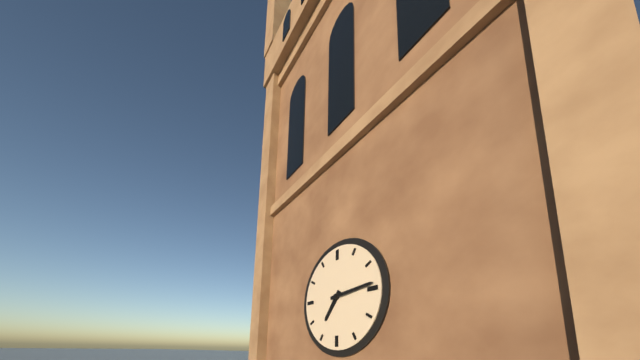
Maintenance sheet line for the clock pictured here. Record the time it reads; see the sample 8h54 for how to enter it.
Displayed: 7h14
